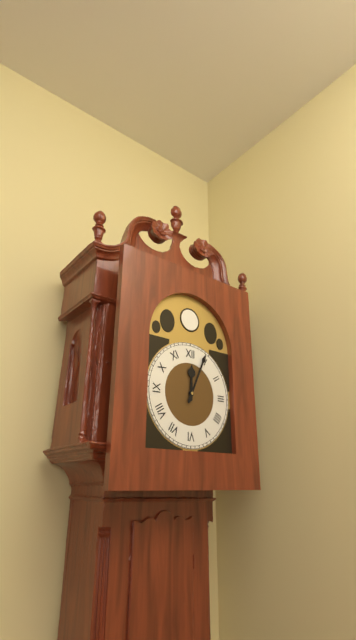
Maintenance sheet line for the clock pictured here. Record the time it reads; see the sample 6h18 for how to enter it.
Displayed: 12h04
